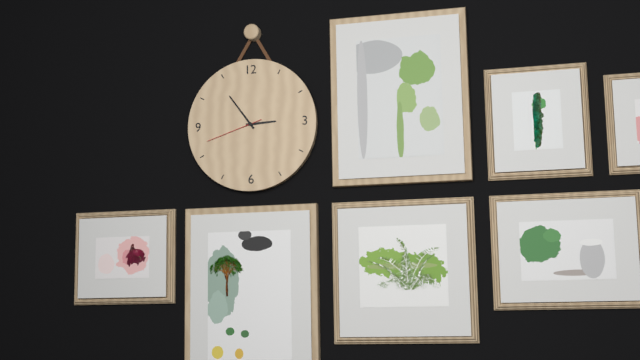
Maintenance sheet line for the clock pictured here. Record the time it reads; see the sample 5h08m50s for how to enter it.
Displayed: 2h54m42s
